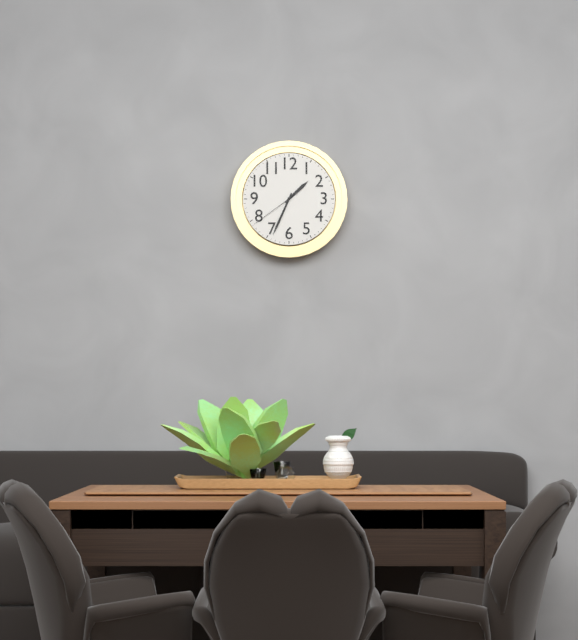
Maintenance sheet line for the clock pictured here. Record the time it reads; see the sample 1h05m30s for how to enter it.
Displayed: 1h34m39s
